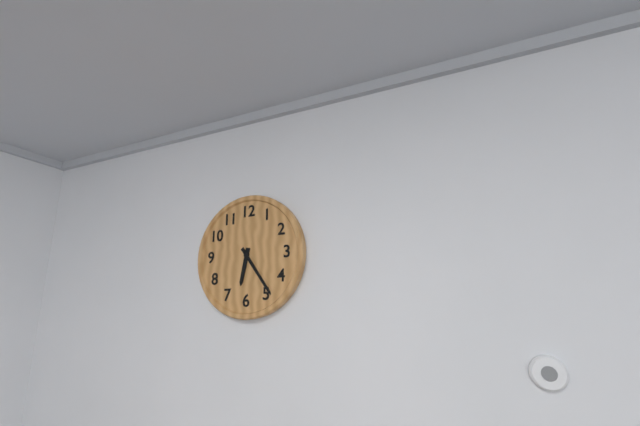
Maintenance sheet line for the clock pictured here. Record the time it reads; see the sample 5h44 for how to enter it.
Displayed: 6h24
